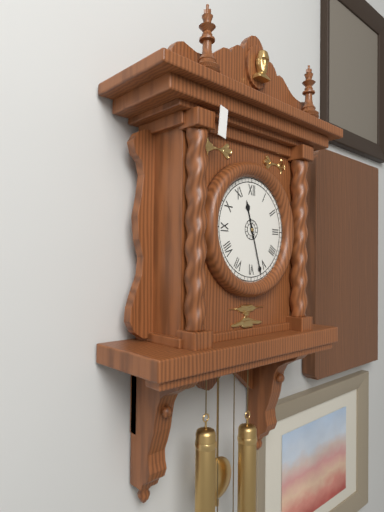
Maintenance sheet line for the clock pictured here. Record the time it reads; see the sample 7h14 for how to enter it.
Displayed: 11h27
